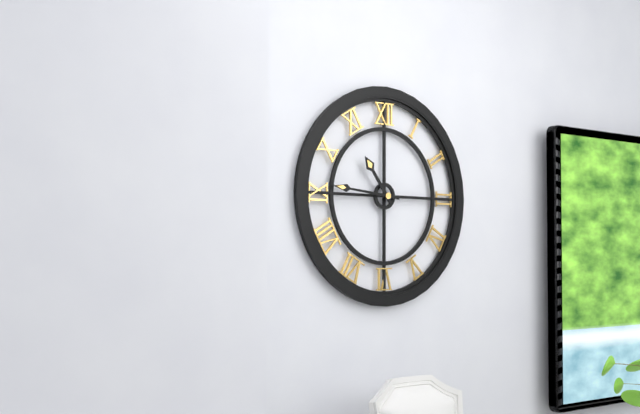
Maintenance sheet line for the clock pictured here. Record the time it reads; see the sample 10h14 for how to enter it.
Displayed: 10h46
